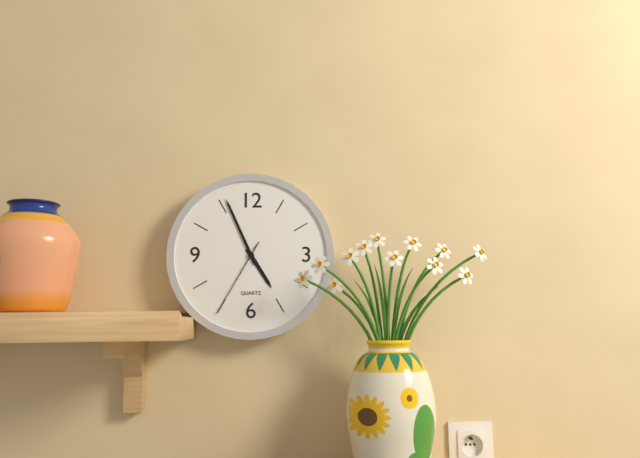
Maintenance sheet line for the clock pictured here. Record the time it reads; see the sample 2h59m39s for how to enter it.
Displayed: 4h56m35s
